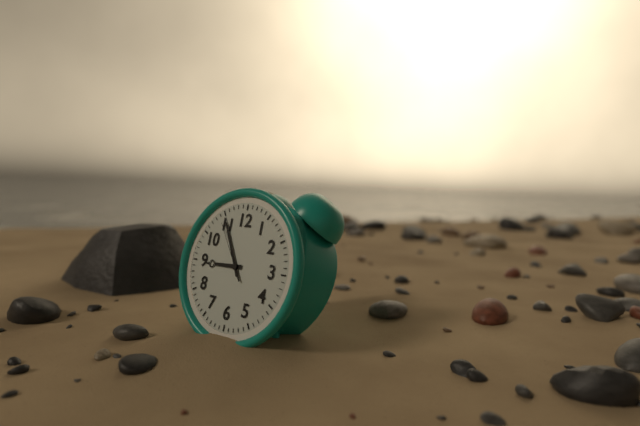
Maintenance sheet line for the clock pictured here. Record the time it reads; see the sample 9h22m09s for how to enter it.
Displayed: 8h55m54s
